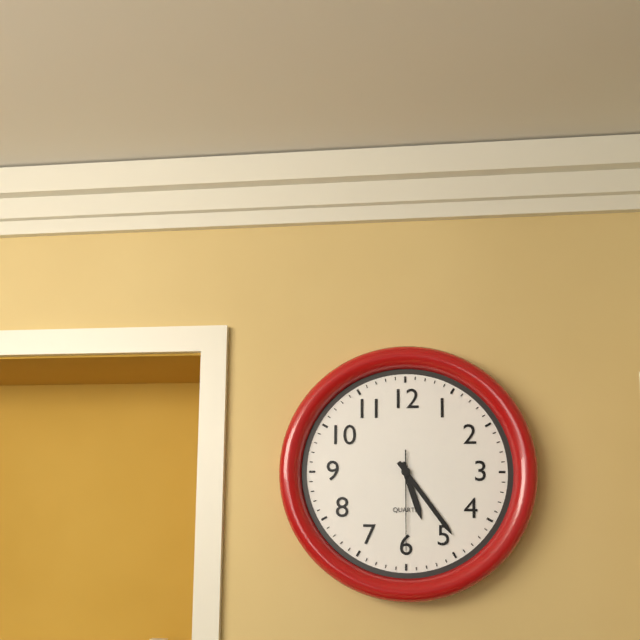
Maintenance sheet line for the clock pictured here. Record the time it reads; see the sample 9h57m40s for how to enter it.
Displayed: 5h24m30s
